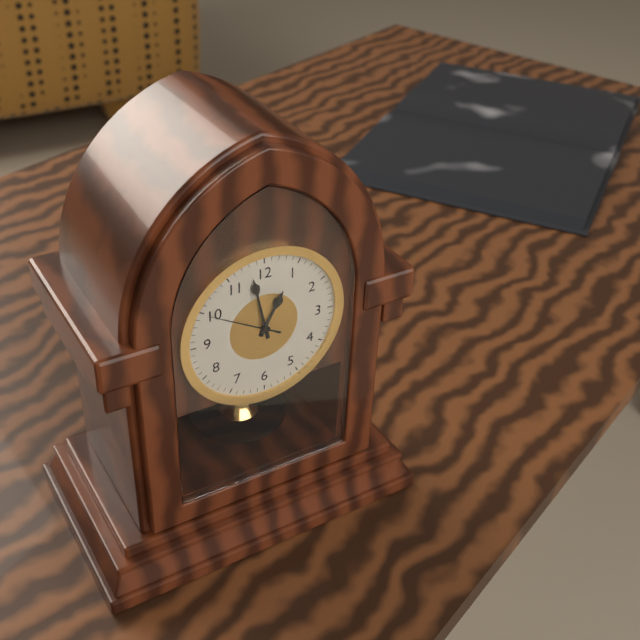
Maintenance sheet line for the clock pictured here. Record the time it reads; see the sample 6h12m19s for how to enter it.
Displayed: 12h58m50s
